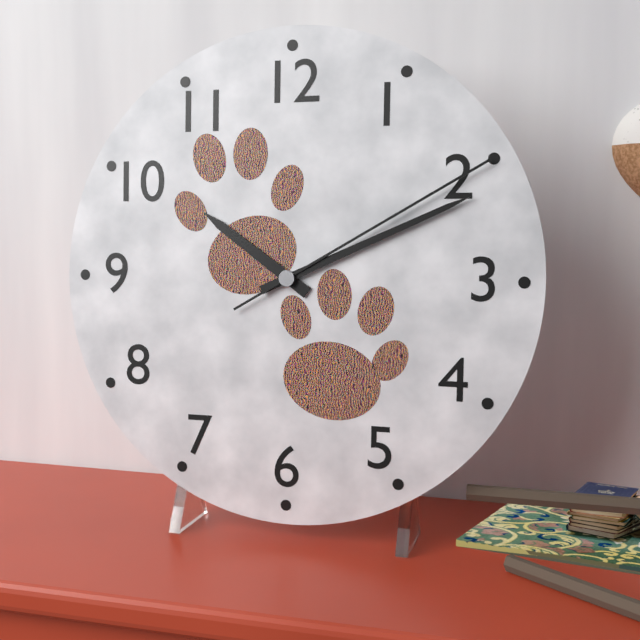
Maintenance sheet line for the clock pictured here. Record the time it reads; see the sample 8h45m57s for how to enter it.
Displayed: 10h11m10s
